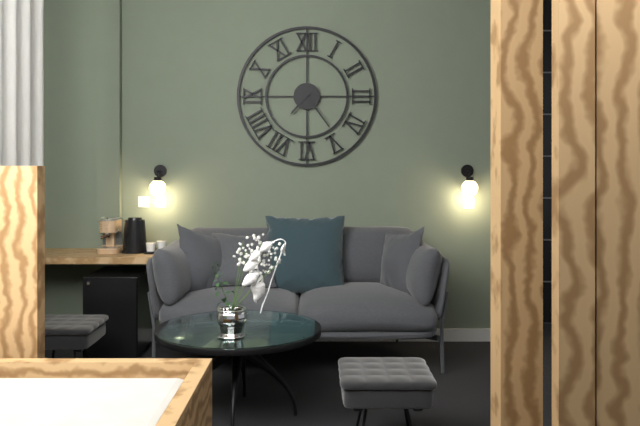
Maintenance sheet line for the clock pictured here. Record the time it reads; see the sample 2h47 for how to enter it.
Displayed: 7h24
